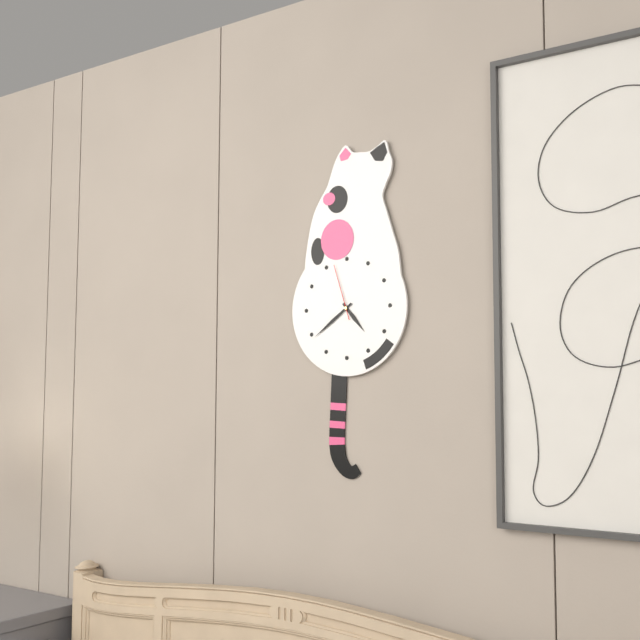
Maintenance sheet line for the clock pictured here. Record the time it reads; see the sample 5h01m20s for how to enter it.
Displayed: 4h39m57s
